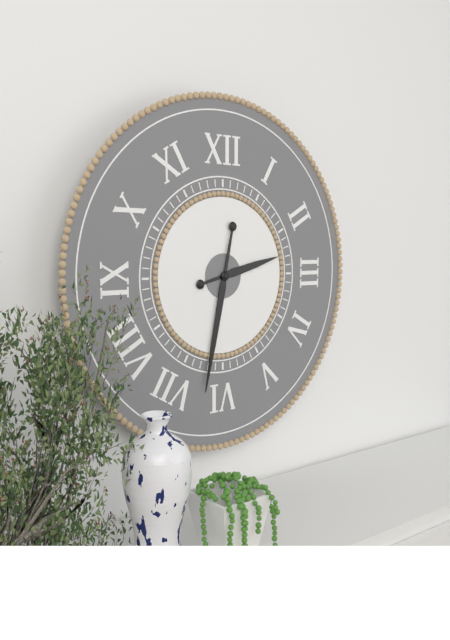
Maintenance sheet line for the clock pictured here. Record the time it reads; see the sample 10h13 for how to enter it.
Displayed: 2h32
